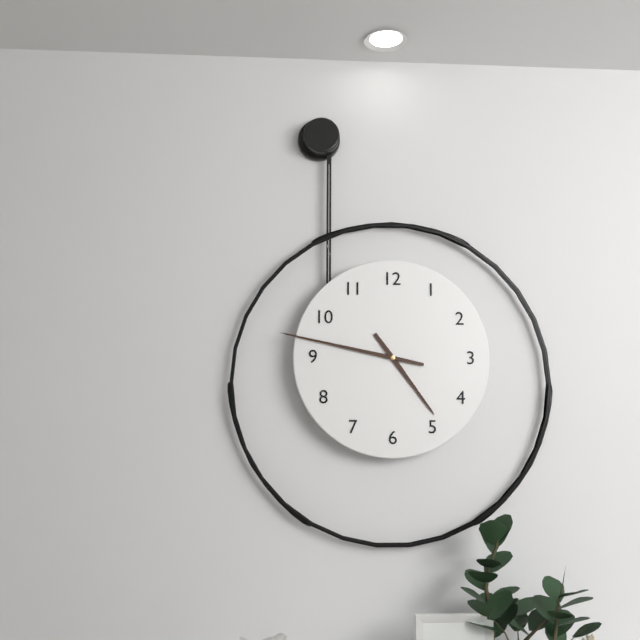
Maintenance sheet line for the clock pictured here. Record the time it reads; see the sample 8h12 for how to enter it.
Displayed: 4h47
